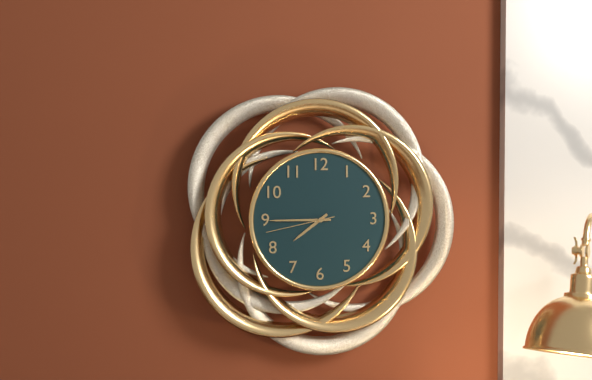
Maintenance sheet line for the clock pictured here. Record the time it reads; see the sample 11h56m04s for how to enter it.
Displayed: 7h45m43s
